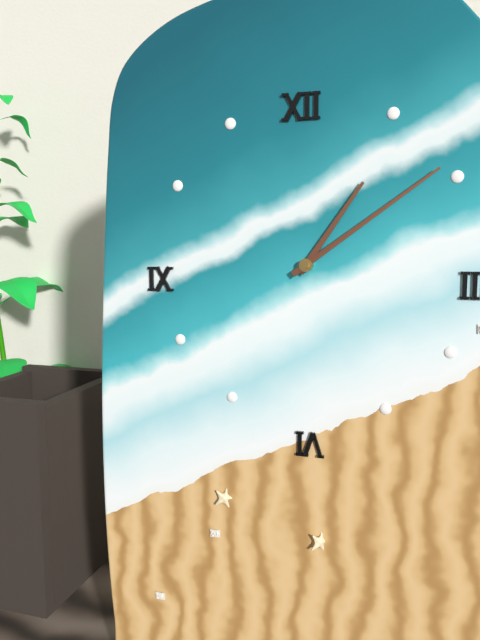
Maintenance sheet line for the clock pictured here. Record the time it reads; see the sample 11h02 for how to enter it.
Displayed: 1h09
